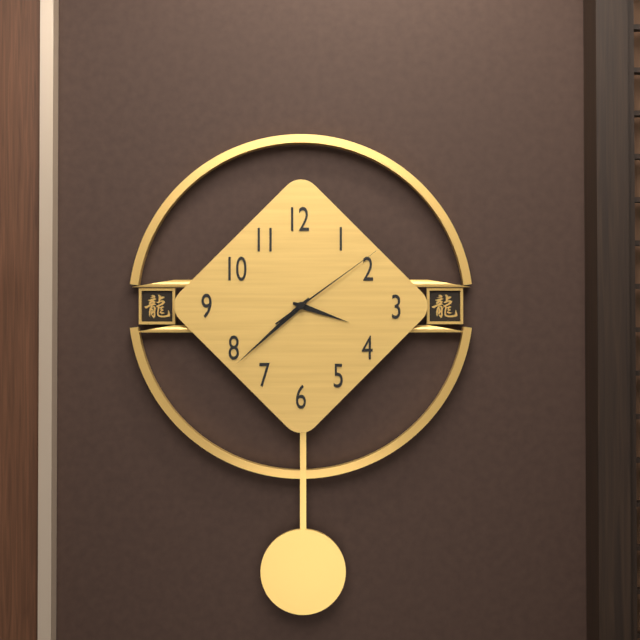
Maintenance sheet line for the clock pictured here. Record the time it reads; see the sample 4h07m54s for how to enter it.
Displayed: 3h38m09s
